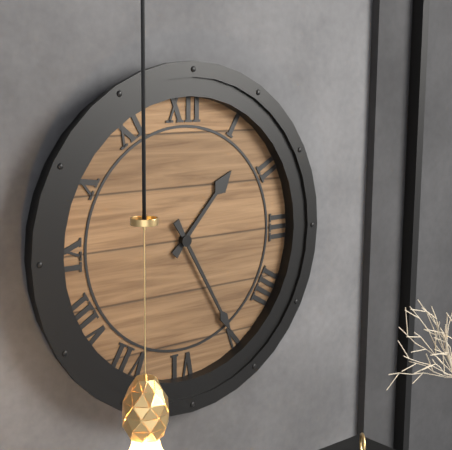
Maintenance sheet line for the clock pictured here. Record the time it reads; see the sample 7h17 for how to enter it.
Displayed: 1h25
